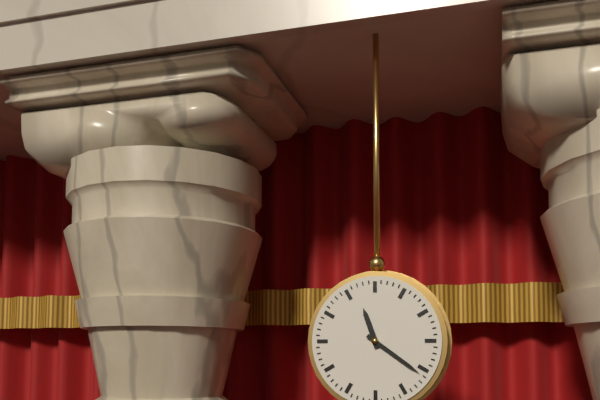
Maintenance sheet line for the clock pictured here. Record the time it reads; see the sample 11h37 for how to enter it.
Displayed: 11h21
